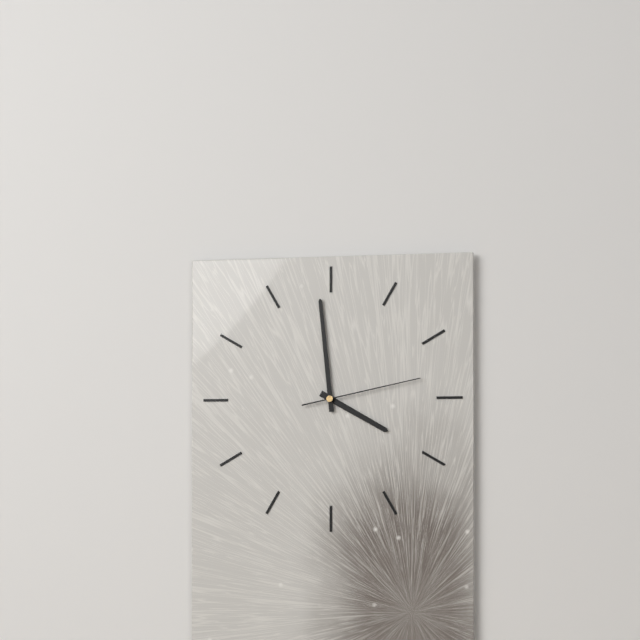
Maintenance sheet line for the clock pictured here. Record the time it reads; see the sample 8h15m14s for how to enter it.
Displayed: 3h59m13s
